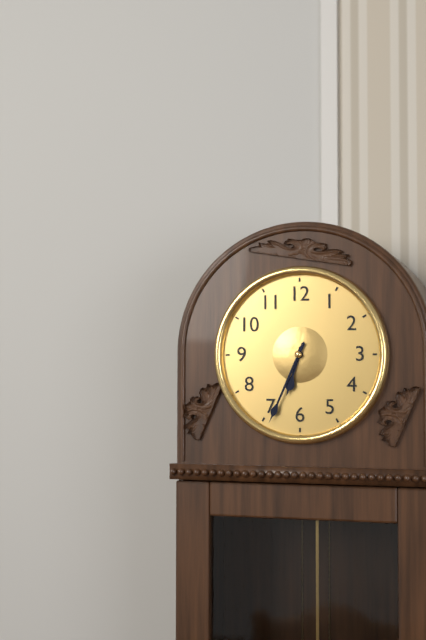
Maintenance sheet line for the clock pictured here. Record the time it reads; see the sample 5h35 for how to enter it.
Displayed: 6h34
